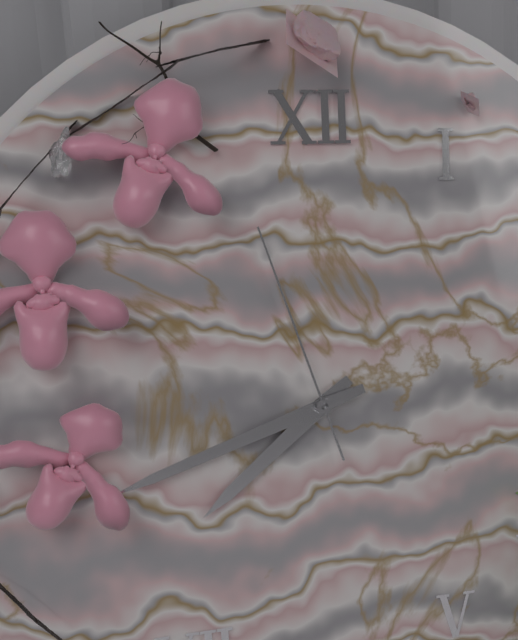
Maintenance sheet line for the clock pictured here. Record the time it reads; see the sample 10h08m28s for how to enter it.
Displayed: 7h42m57s
